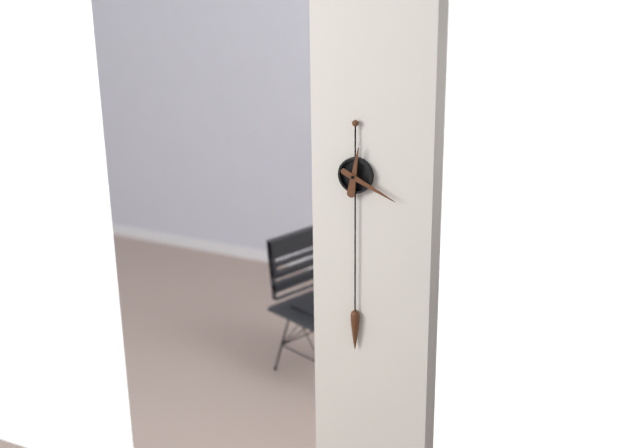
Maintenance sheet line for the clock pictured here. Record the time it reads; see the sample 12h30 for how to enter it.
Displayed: 12h19
